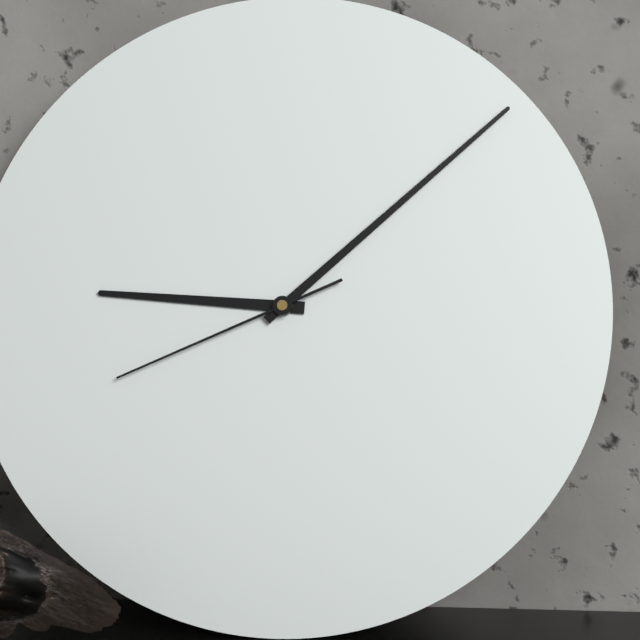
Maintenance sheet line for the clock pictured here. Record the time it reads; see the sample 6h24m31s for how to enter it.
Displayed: 9h08m41s
